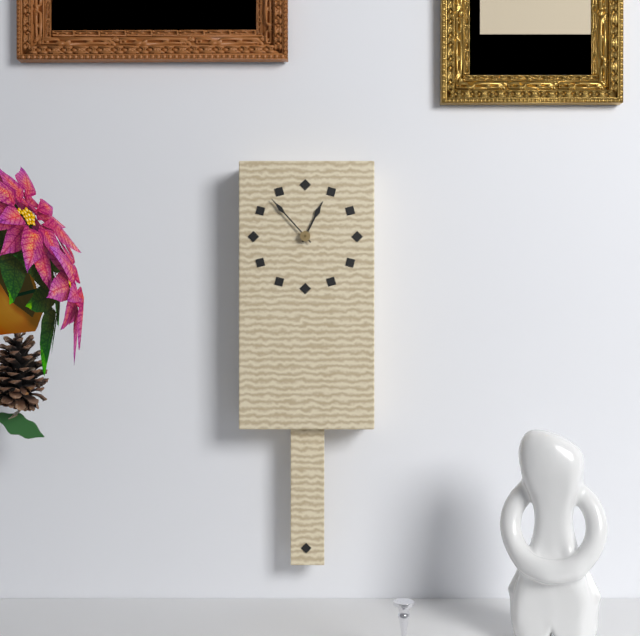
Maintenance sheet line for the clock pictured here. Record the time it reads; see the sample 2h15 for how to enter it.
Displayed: 12h53
